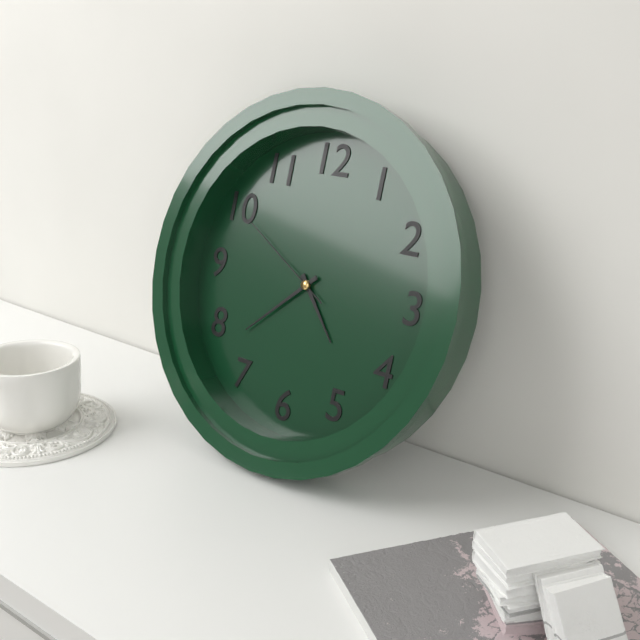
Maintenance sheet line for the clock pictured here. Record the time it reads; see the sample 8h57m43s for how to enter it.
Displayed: 4h38m50s
